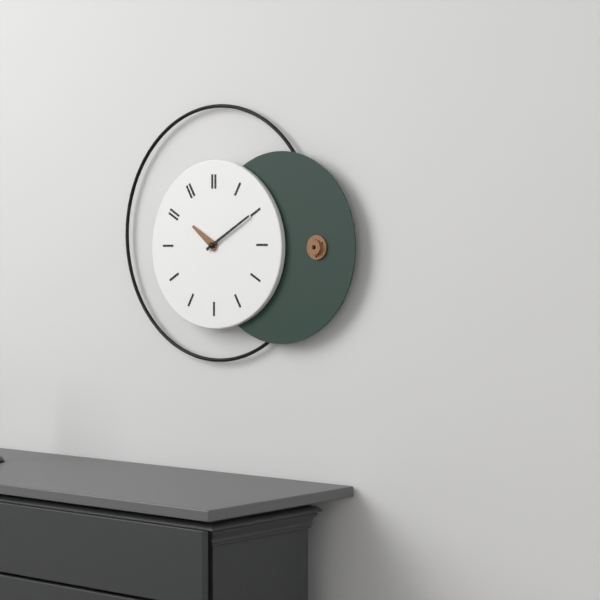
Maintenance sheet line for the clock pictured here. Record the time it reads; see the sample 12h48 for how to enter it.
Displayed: 10h10
